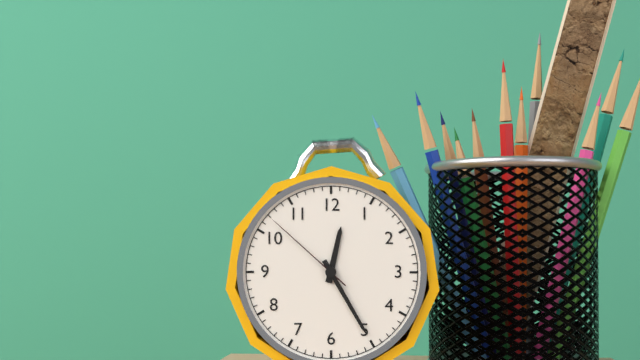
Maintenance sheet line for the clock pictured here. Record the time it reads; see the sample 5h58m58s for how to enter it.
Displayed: 12h25m52s
